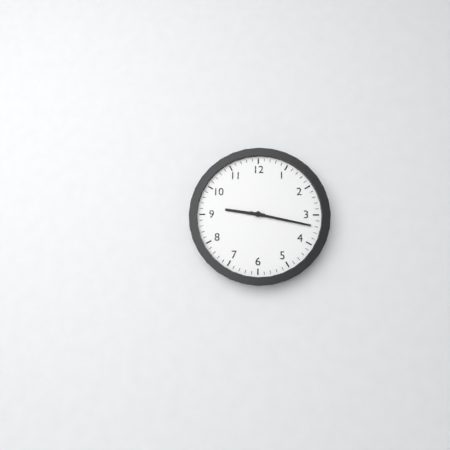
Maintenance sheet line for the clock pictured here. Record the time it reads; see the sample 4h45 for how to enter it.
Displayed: 9h17
